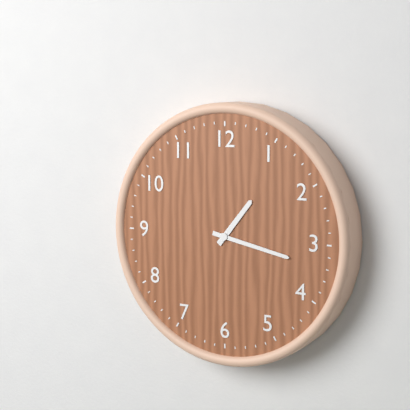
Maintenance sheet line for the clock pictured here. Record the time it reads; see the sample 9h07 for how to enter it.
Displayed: 1h17
